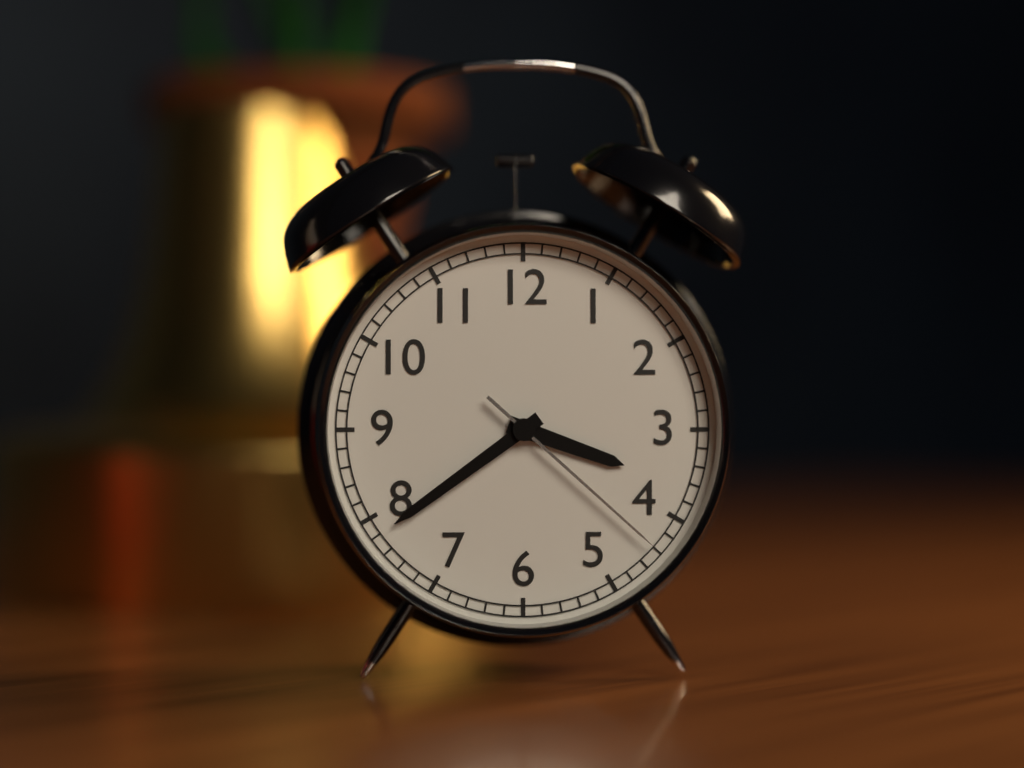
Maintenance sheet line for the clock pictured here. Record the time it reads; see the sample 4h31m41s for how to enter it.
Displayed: 3h39m22s
